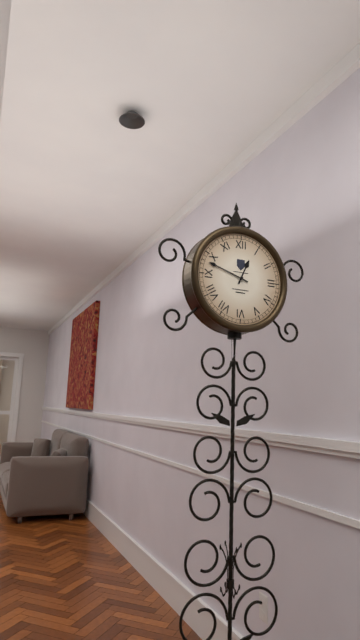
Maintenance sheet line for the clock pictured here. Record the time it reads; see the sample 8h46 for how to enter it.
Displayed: 12h48
